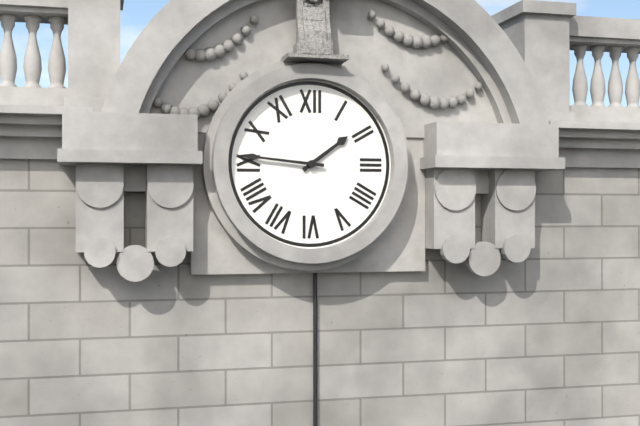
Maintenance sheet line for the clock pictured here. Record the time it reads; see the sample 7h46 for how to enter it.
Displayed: 1h46
